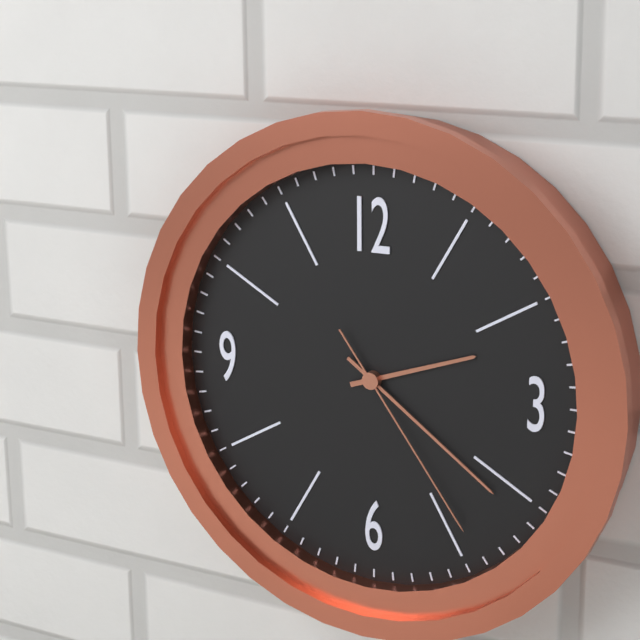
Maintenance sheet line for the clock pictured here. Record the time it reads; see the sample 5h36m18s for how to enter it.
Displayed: 2h21m24s
